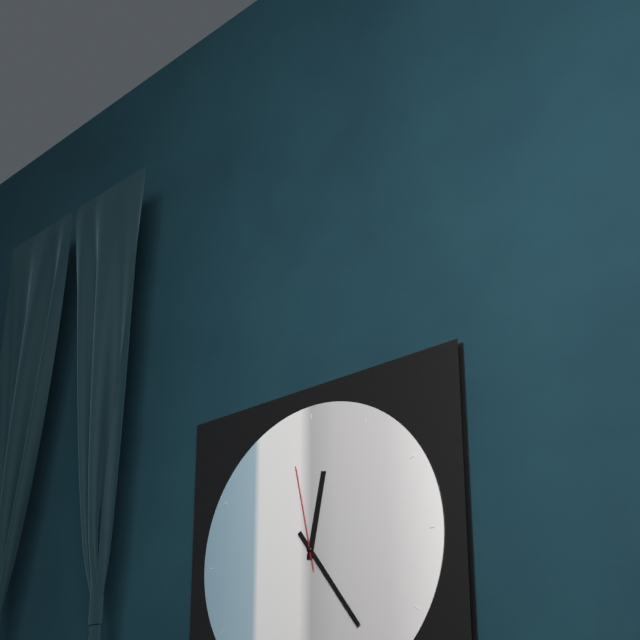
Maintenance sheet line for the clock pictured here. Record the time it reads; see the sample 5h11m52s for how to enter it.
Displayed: 12h24m58s
